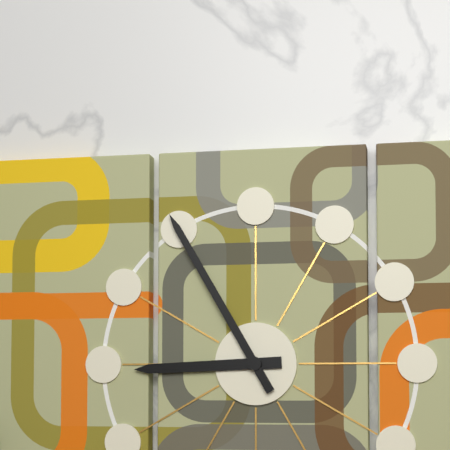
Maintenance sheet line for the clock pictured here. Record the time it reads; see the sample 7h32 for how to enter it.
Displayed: 8h55
